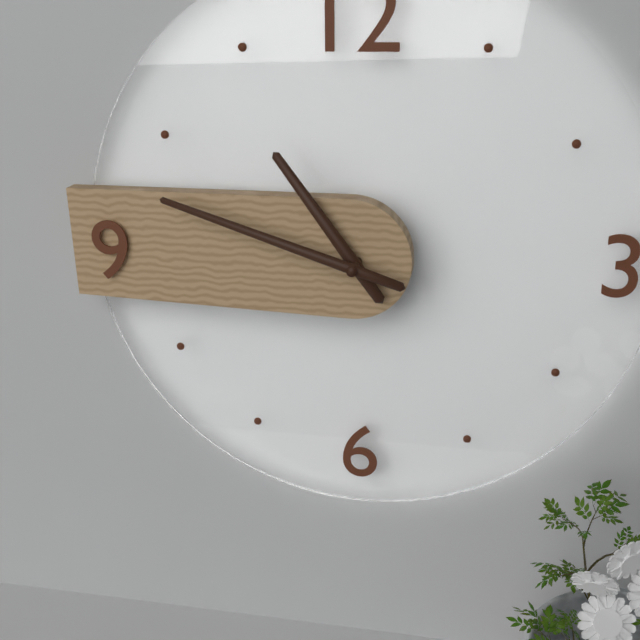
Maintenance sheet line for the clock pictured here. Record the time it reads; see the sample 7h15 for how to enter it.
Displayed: 10h48
